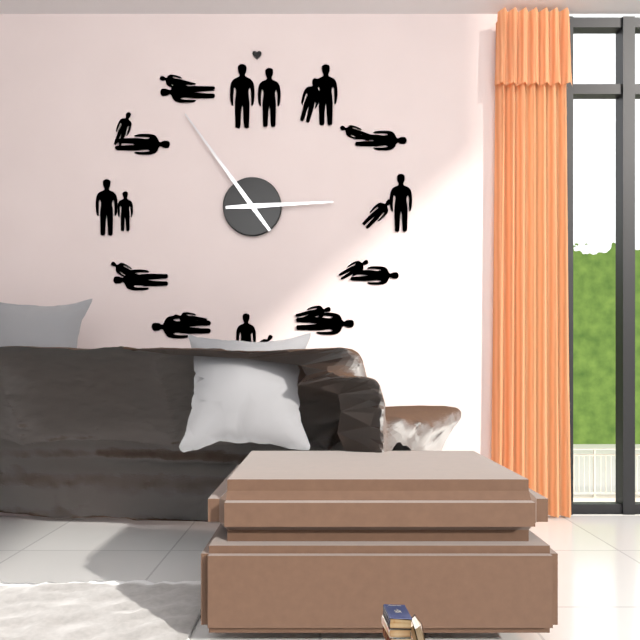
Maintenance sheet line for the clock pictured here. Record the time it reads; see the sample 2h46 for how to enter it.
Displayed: 2h54
